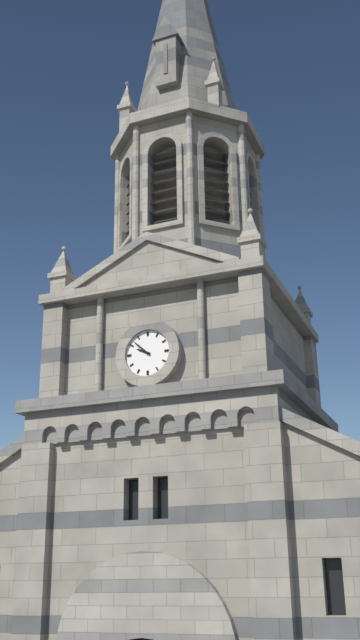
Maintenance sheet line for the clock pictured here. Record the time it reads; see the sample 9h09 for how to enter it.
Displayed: 9h52
